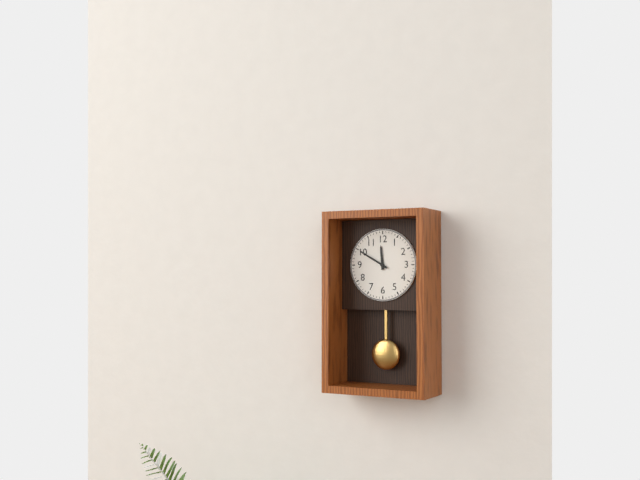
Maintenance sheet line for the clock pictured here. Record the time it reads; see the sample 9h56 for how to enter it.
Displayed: 11h50
